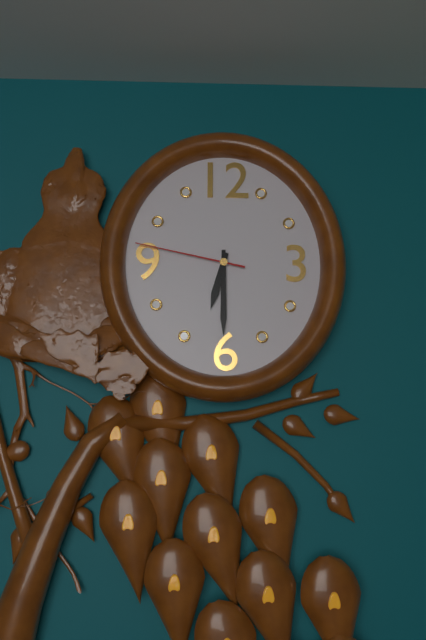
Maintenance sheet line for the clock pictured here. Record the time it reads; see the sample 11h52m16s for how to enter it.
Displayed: 6h30m47s
